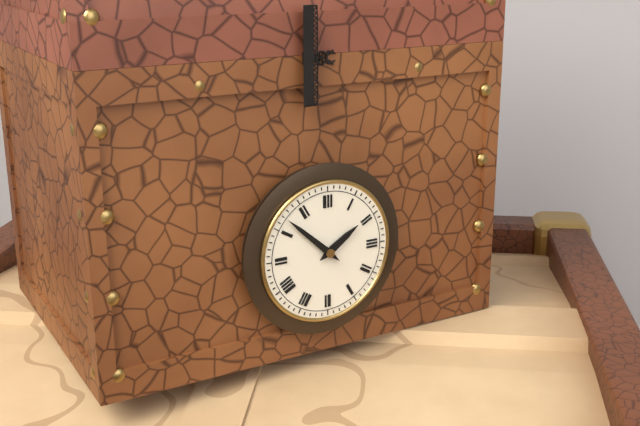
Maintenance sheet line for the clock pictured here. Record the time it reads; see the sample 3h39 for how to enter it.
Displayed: 1h52
